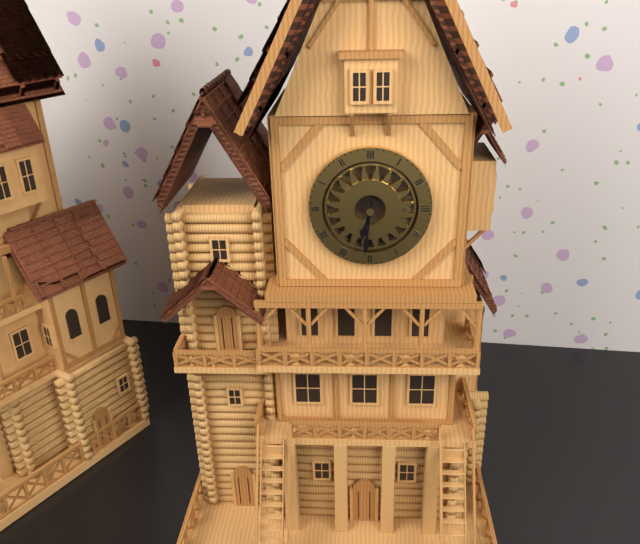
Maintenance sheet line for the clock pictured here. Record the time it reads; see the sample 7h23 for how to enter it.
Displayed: 6h31
